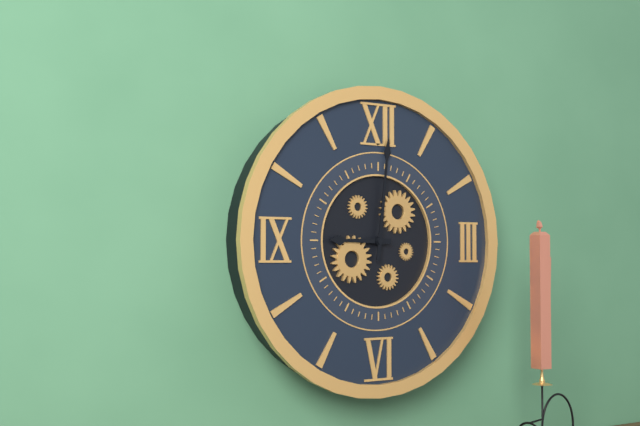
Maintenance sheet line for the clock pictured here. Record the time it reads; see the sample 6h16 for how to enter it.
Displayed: 9h01
